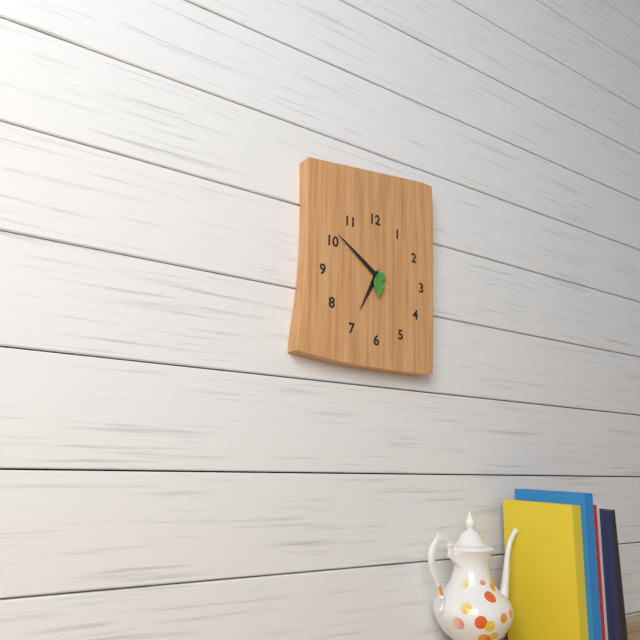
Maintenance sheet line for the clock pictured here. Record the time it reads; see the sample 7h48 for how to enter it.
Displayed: 6h51
